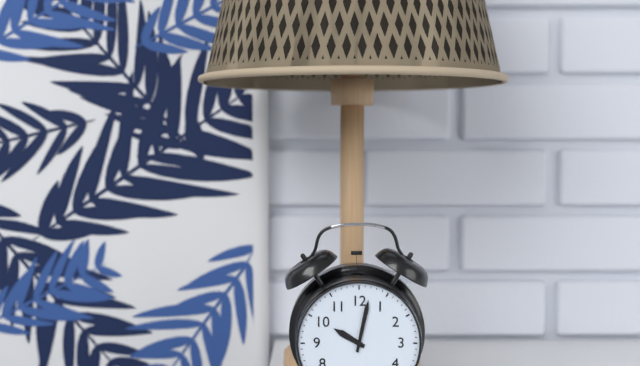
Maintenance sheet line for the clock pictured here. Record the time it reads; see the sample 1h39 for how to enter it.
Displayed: 10h02
